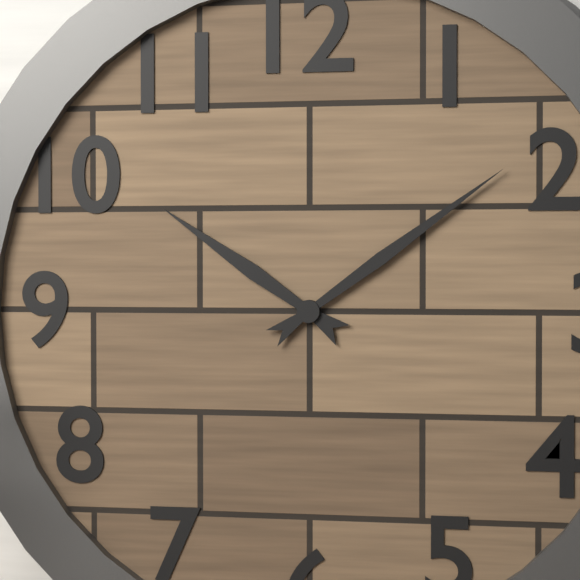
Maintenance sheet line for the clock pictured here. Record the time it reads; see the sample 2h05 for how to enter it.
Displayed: 10h09
